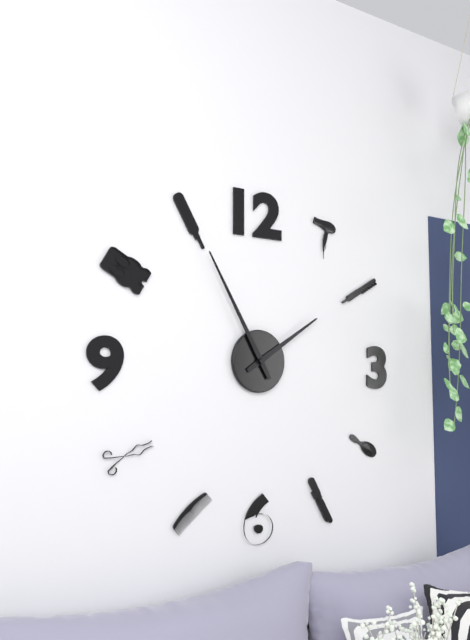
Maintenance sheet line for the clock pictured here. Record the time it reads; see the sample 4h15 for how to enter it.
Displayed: 1h55
